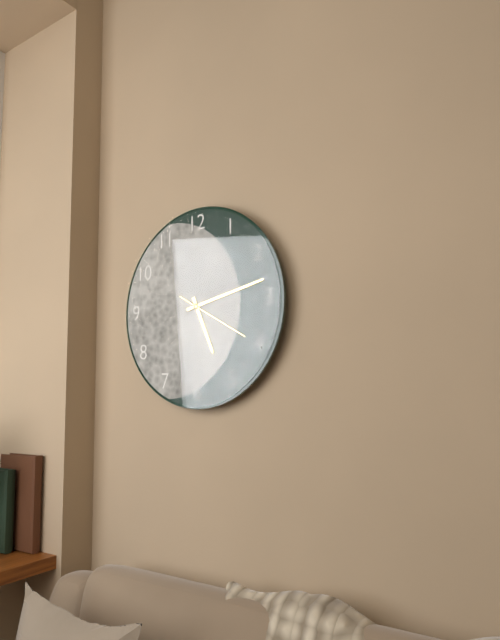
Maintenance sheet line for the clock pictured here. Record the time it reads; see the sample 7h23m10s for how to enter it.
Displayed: 5h13m20s
